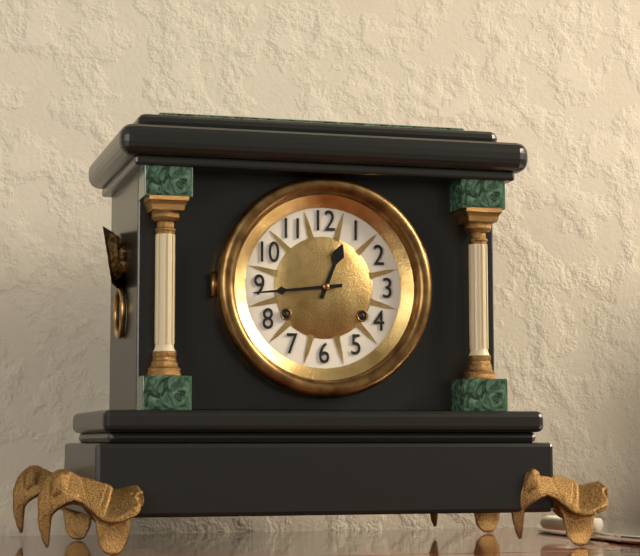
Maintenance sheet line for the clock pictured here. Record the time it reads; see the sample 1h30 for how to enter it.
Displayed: 12h44
